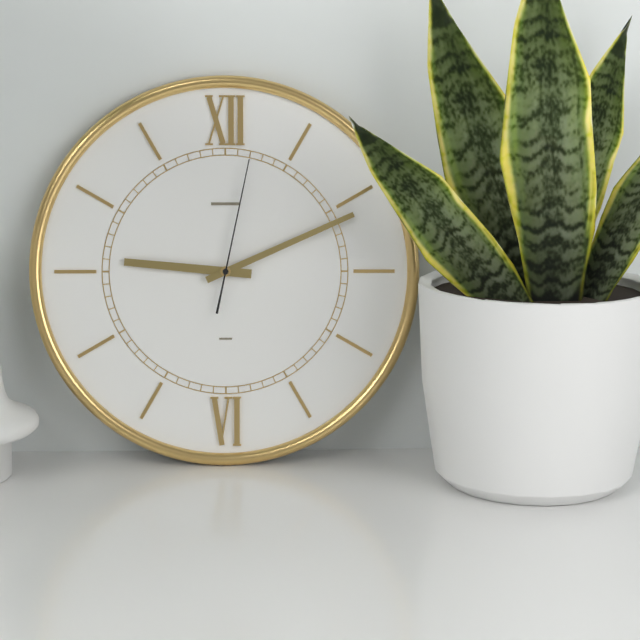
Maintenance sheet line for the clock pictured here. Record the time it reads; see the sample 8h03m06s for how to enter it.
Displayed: 9h11m02s
